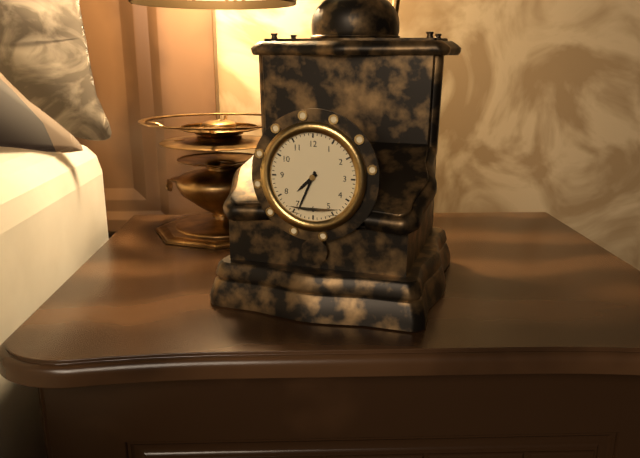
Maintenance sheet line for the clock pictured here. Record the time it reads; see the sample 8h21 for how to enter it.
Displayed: 7h34
